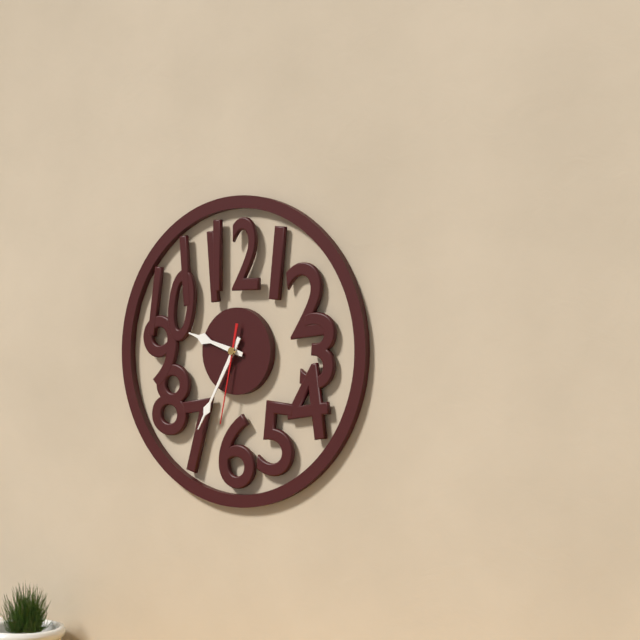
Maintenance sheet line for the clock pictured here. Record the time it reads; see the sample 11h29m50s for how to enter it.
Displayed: 9h35m32s
